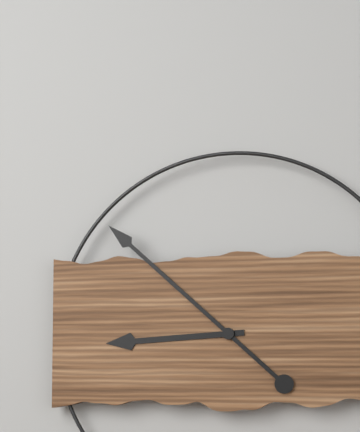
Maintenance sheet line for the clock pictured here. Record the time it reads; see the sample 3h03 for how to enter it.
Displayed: 8h52
